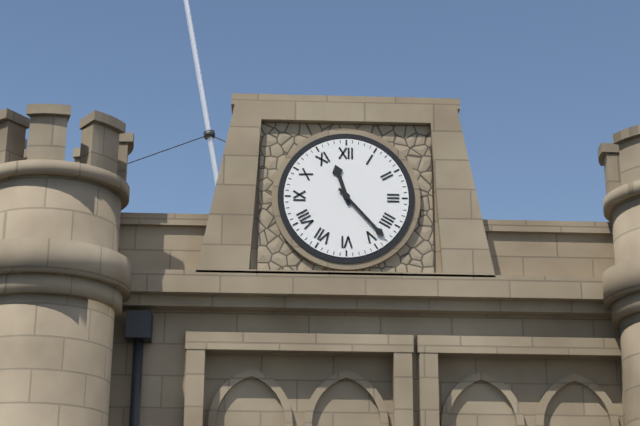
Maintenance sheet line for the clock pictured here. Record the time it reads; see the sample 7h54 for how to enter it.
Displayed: 11h23
